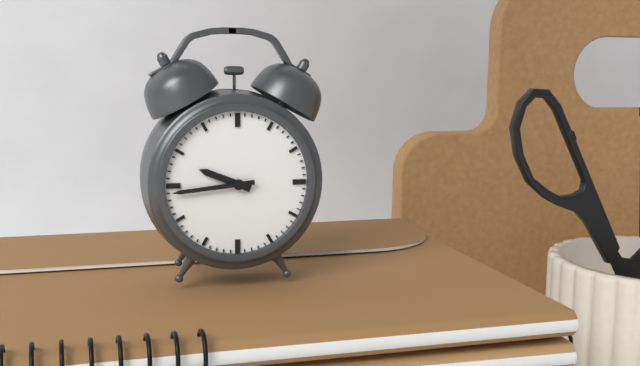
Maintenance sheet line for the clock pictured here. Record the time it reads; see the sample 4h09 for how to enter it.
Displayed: 9h44
